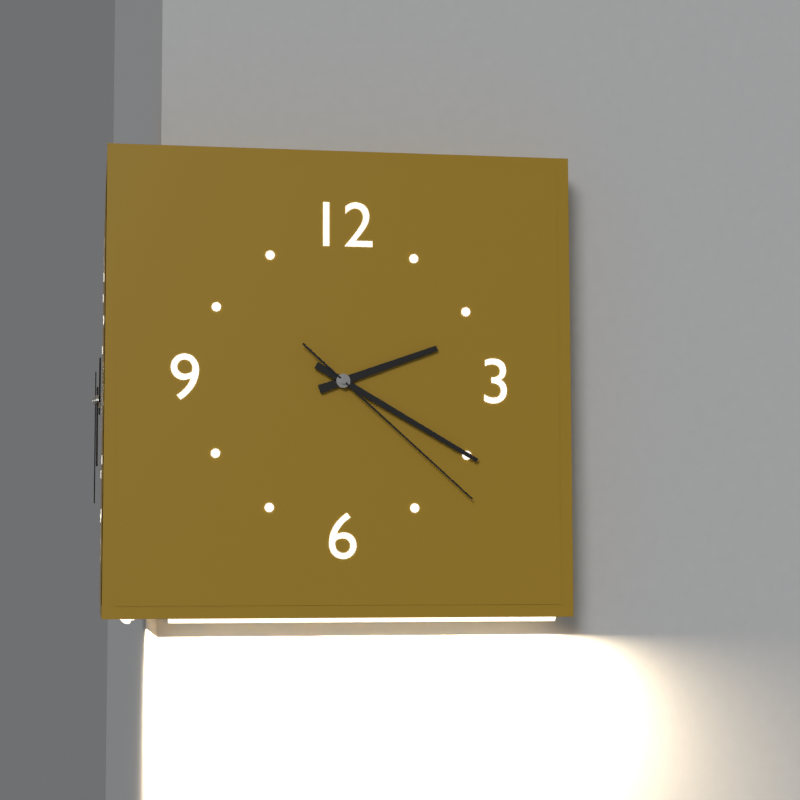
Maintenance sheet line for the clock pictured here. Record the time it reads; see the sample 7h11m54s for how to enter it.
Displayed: 2h20m22s
